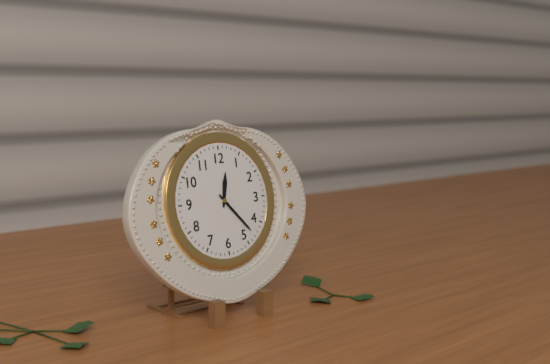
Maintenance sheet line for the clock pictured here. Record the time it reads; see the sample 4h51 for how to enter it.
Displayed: 12h23
